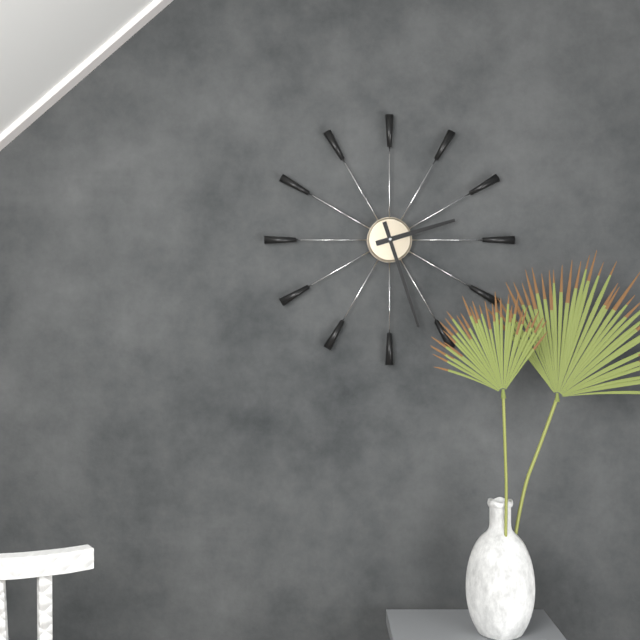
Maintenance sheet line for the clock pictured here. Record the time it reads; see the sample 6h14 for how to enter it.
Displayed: 2h27
